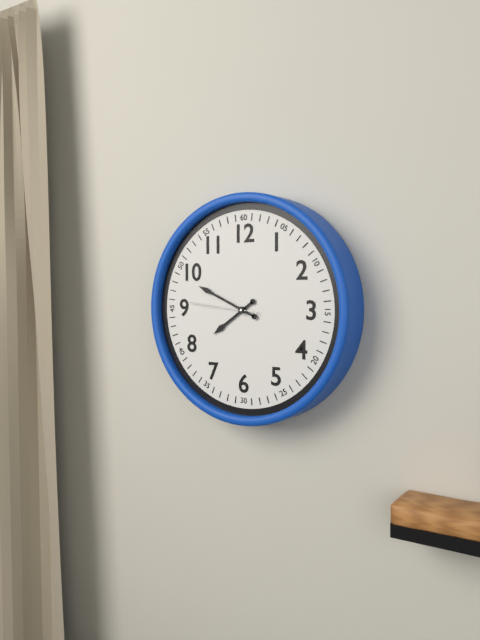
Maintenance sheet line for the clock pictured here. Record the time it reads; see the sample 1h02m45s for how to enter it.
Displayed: 7h49m46s
